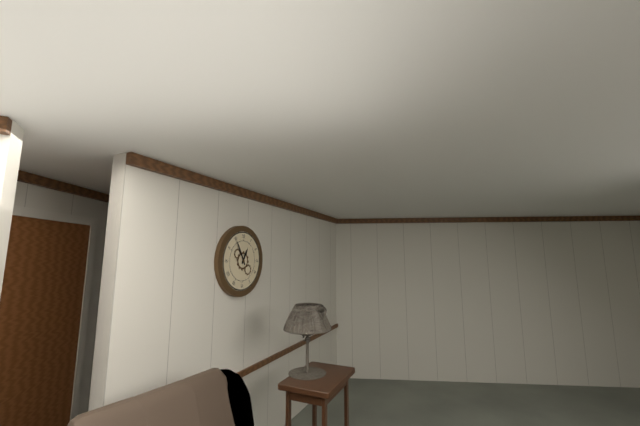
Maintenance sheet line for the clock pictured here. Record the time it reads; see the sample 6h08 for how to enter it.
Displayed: 12h55
